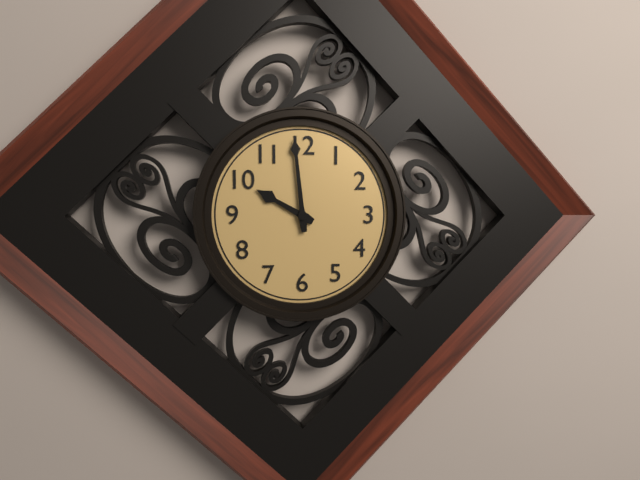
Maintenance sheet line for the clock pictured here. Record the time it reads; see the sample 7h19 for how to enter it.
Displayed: 9h59
